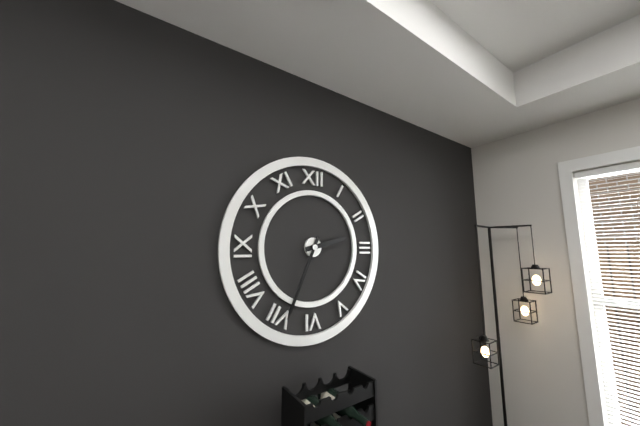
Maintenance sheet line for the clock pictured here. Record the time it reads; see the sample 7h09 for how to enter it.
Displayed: 2h34
